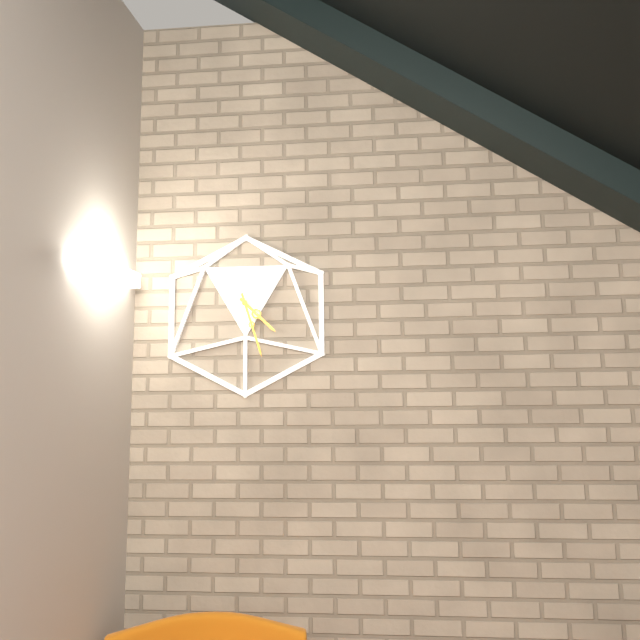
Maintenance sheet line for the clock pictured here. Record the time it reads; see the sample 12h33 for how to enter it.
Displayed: 4h27
